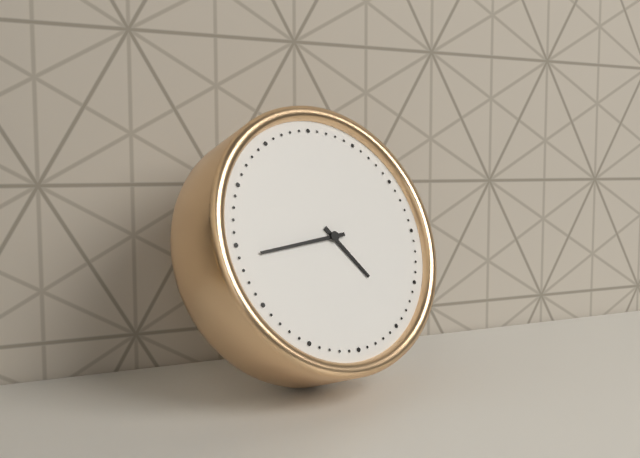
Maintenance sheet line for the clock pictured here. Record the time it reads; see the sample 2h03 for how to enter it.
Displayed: 4h44
